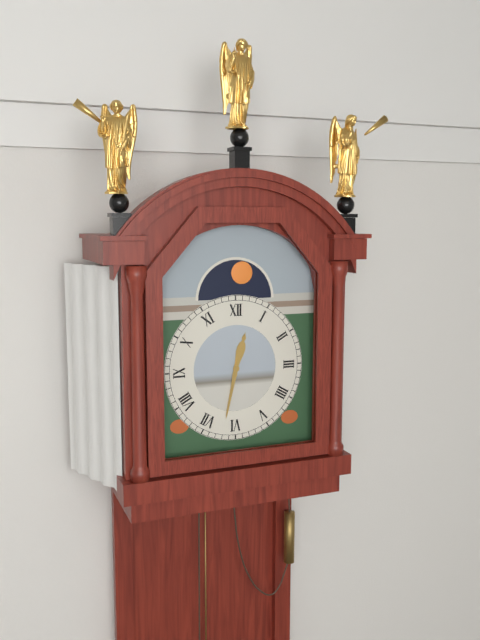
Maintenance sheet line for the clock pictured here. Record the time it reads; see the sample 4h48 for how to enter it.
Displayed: 12h32
